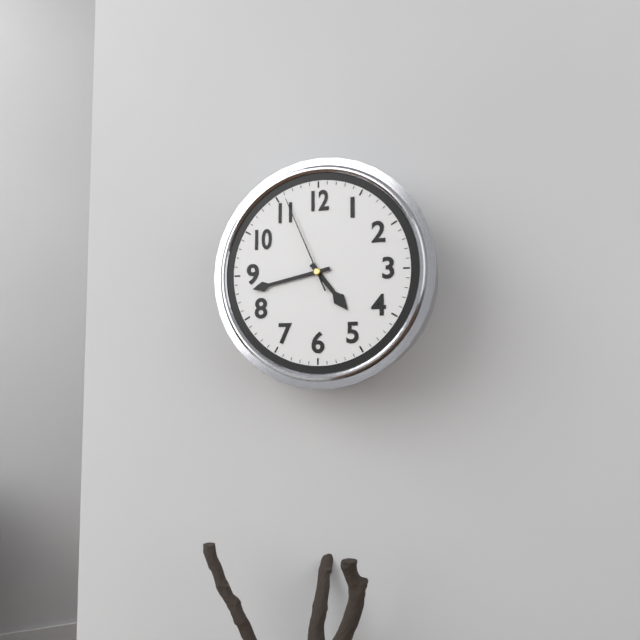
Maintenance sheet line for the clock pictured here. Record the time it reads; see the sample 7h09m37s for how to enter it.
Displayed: 4h43m56s
